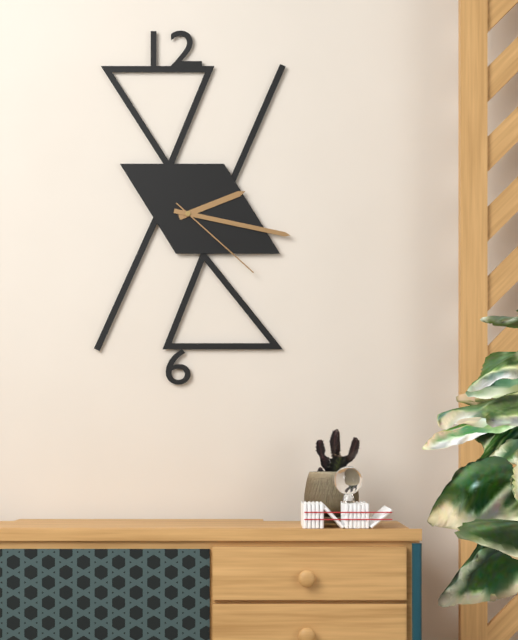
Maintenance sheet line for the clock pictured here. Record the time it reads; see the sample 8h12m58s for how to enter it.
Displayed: 2h17m22s
